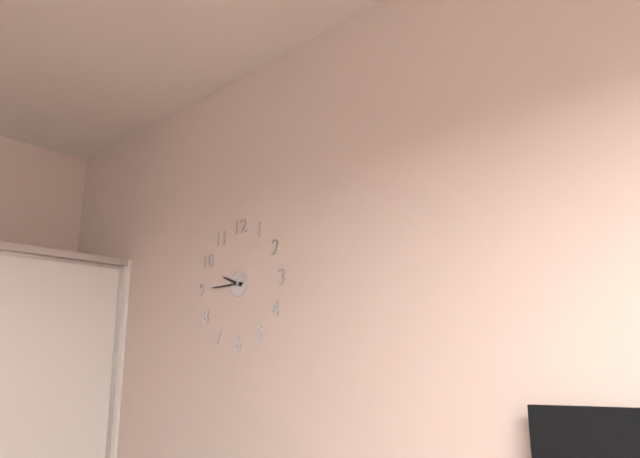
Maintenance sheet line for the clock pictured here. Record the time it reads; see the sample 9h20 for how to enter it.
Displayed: 9h45
